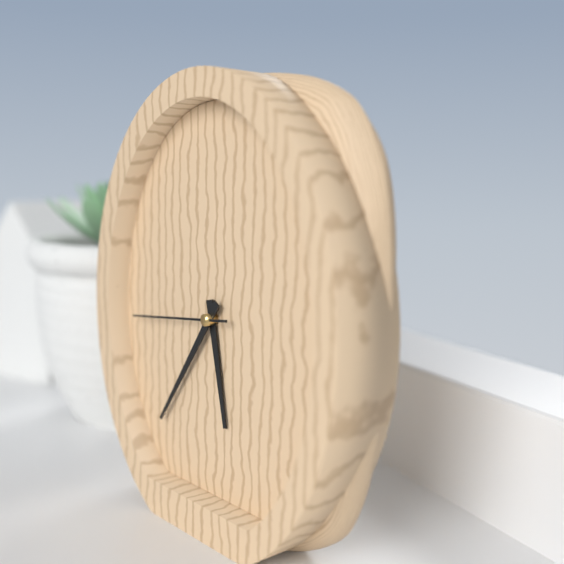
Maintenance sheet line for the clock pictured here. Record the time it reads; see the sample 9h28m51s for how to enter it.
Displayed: 5h36m44s
